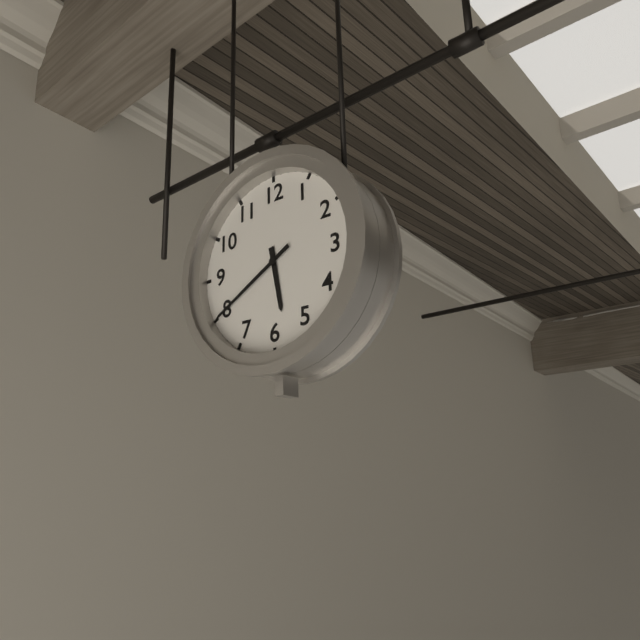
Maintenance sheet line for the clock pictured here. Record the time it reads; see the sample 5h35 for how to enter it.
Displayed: 5h40
